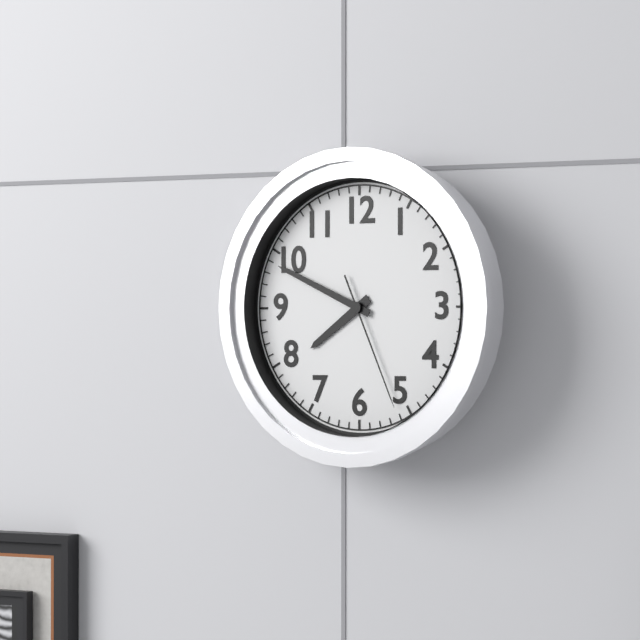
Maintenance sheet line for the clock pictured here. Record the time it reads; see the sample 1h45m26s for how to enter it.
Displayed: 7h49m26s
